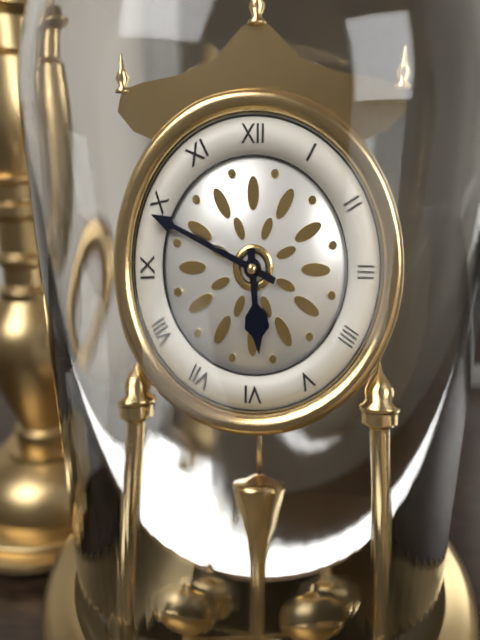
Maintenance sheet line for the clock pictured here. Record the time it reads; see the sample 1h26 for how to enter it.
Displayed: 5h49
